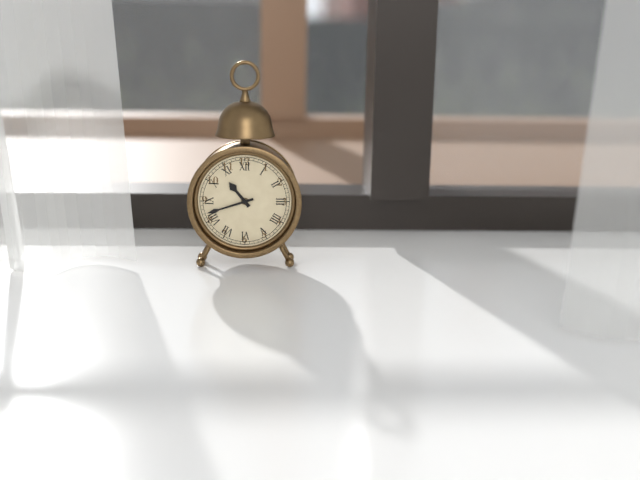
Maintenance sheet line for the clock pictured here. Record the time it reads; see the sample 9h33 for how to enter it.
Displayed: 10h42
